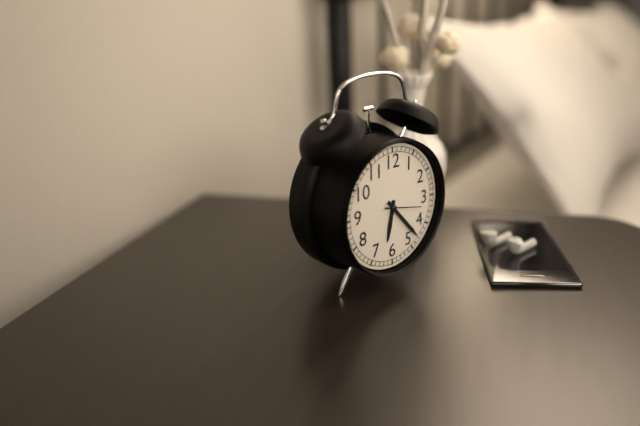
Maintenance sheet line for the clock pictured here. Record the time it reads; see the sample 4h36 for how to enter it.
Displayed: 6h23
